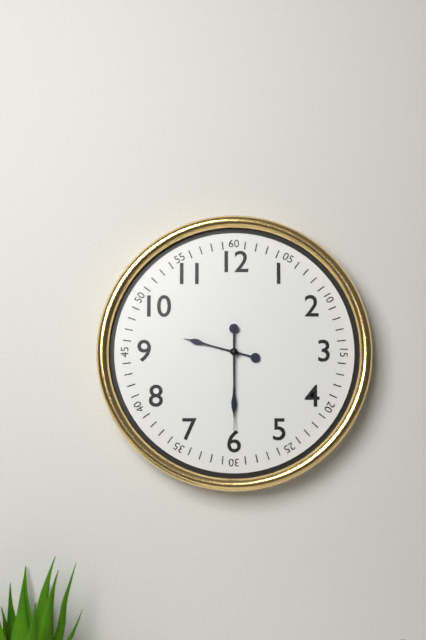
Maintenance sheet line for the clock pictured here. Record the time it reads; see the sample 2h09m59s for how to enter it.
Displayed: 9h30m30s
